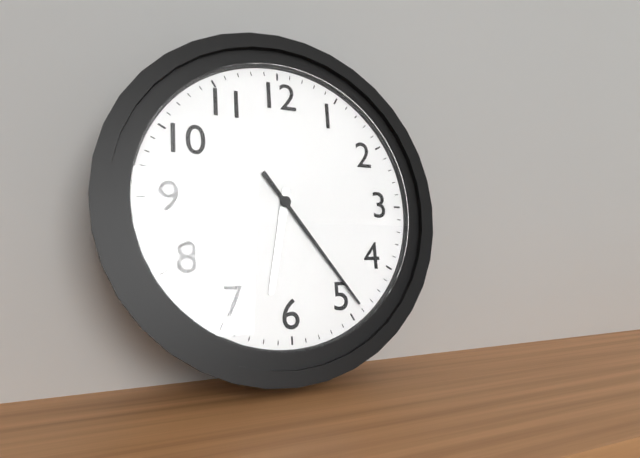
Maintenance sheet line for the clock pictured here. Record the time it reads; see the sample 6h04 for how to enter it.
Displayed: 6h24
